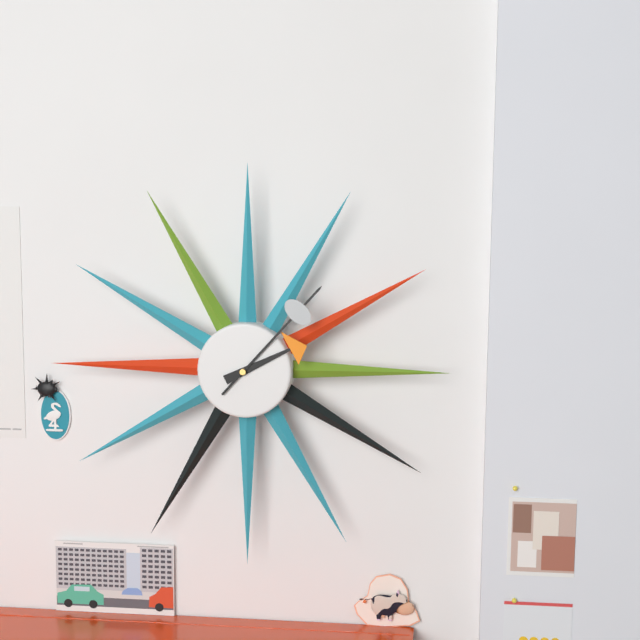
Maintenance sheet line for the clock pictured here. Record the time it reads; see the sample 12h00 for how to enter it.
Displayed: 2h07
